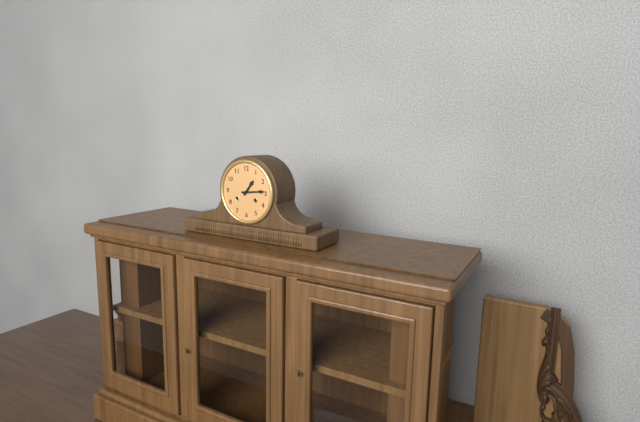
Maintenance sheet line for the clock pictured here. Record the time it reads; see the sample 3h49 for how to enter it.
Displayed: 1h14
